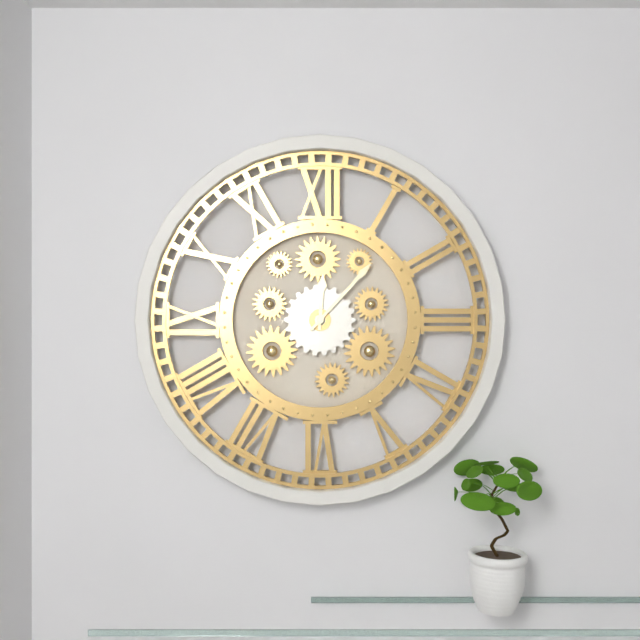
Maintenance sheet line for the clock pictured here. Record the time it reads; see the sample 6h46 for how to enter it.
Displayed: 12h07
